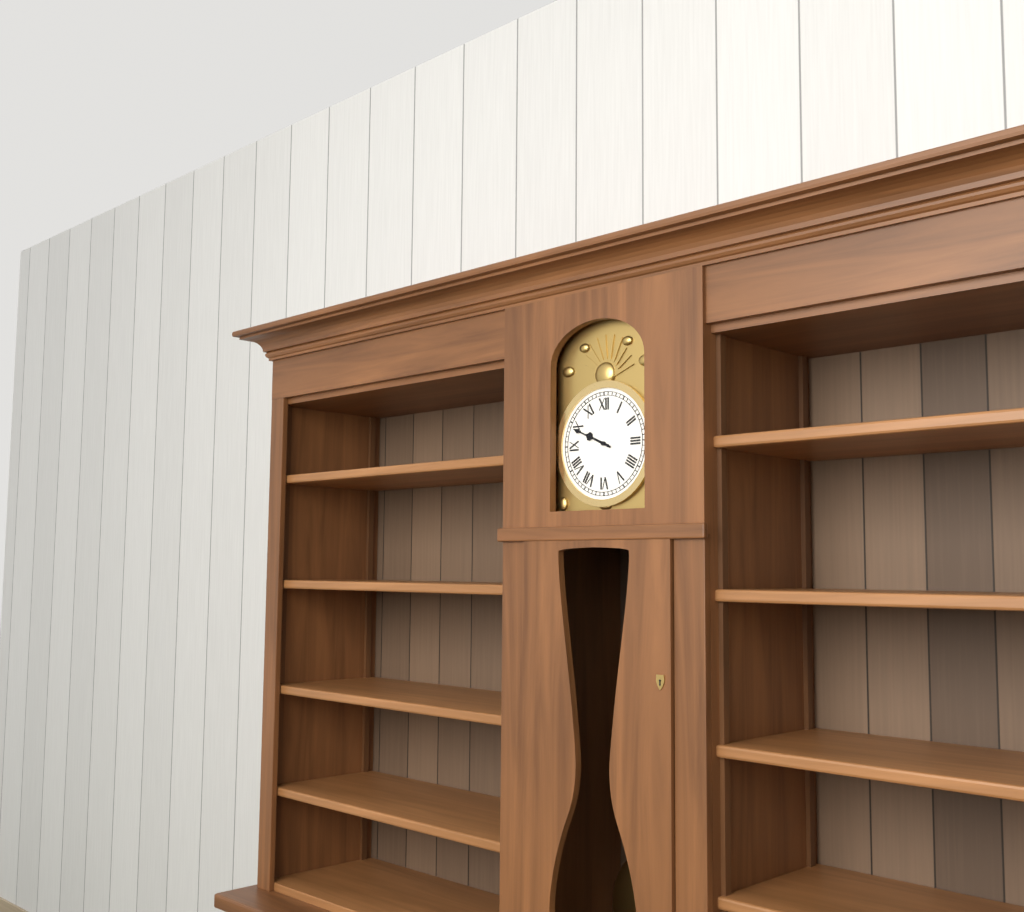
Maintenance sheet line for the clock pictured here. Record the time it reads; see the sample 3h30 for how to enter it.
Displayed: 9h49
